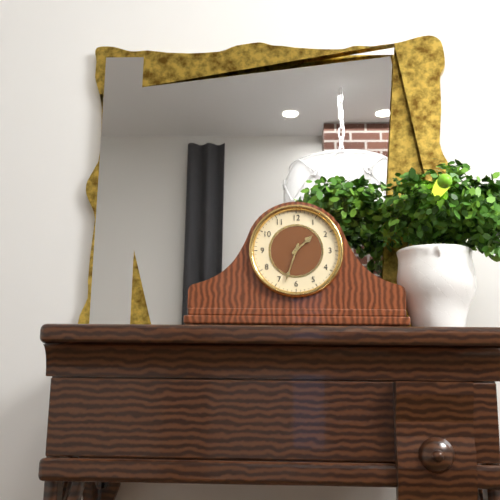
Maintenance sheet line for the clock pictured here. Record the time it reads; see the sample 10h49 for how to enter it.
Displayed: 1h33
